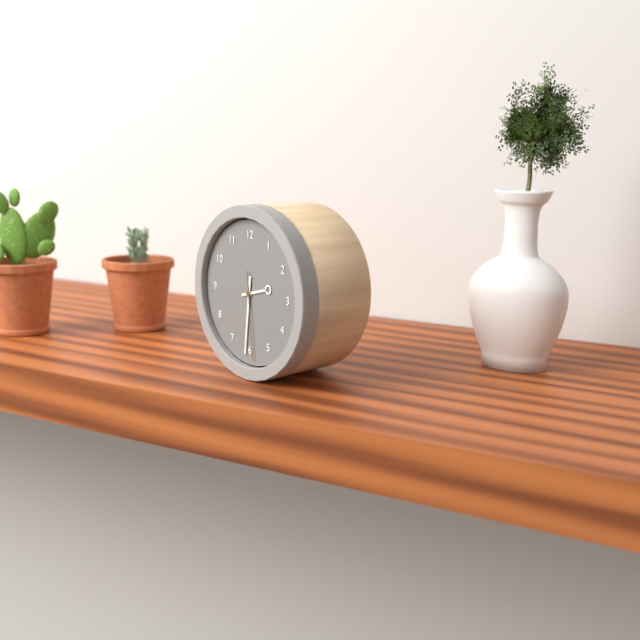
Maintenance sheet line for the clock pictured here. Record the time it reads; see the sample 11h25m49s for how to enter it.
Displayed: 2h31m29s
